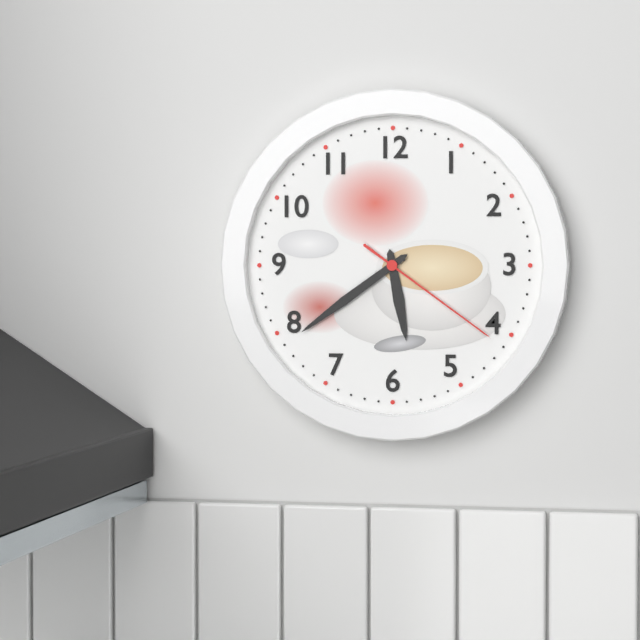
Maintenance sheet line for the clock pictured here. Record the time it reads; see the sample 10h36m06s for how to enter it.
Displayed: 5h39m21s
